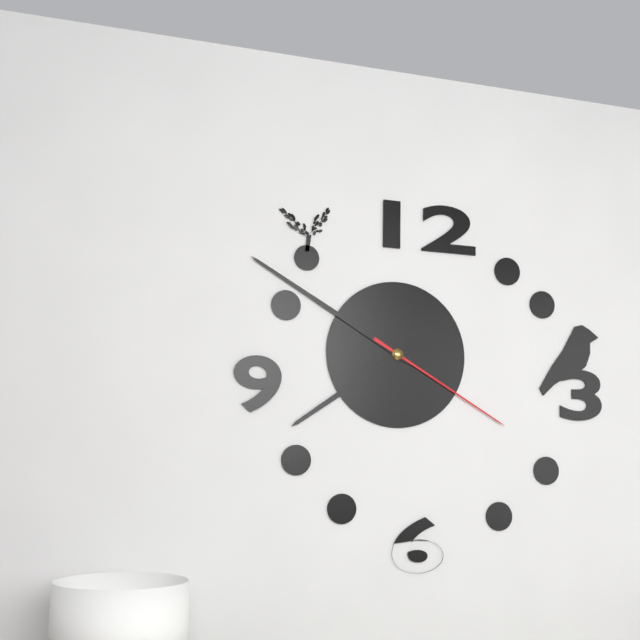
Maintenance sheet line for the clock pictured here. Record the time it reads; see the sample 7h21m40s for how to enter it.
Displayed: 7h50m20s
